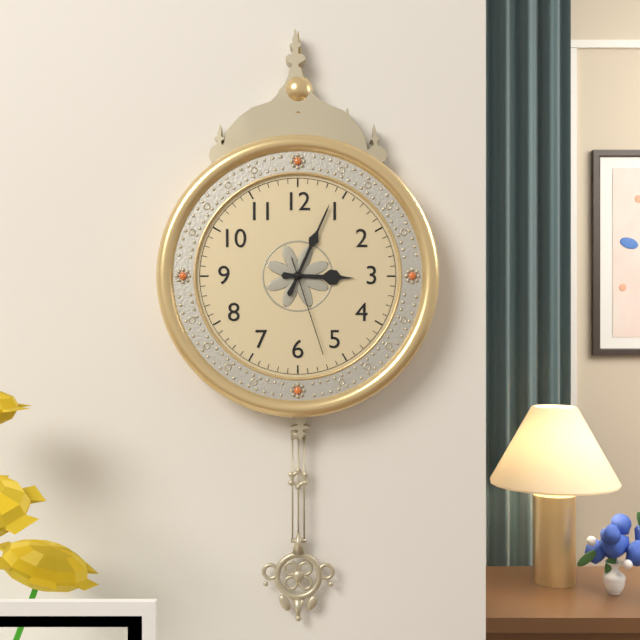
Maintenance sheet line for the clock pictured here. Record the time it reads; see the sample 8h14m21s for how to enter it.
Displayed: 3h04m27s
